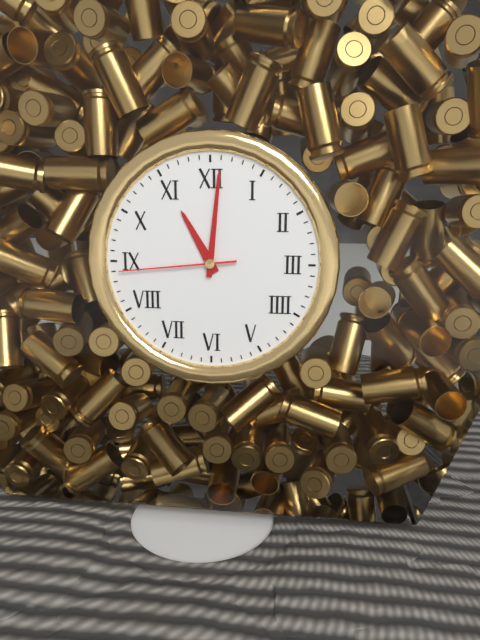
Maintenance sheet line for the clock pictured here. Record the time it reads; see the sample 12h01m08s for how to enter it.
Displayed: 11h01m44s
